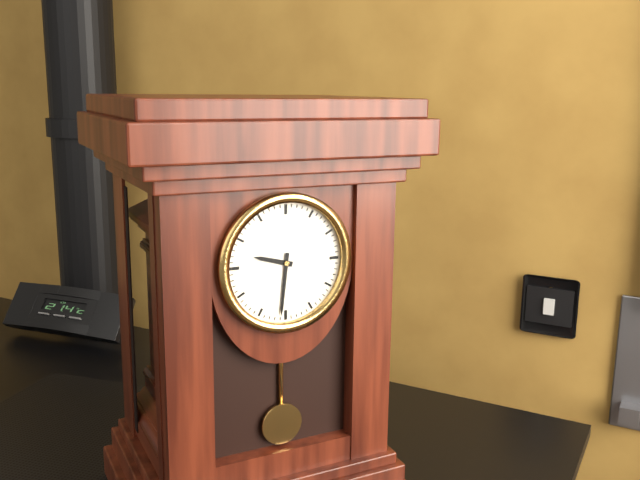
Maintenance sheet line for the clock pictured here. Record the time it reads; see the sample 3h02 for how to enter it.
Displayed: 9h31
